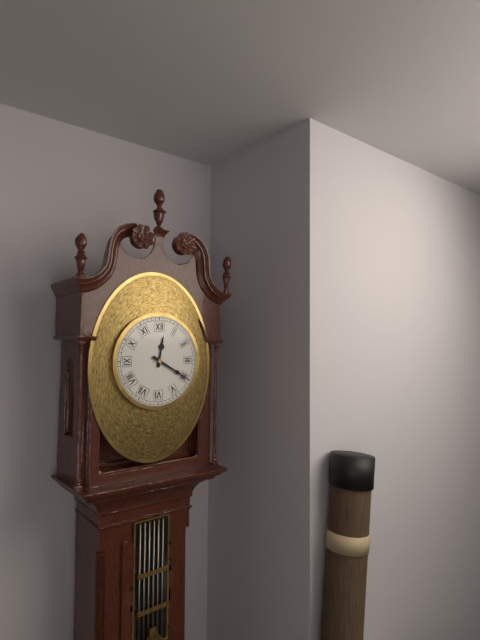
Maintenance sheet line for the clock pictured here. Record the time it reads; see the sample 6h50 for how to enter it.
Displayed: 12h20
